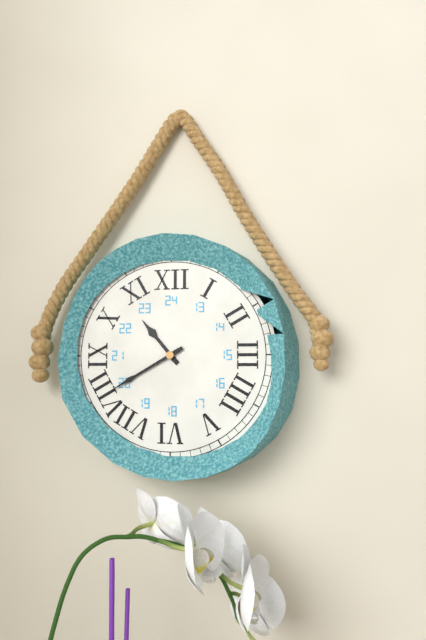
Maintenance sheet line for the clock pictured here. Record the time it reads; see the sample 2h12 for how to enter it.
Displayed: 10h40
